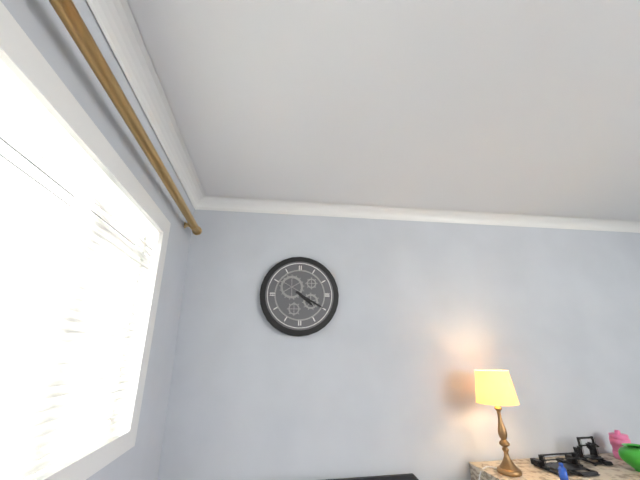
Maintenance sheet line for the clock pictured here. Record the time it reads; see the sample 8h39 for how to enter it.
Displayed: 4h20
